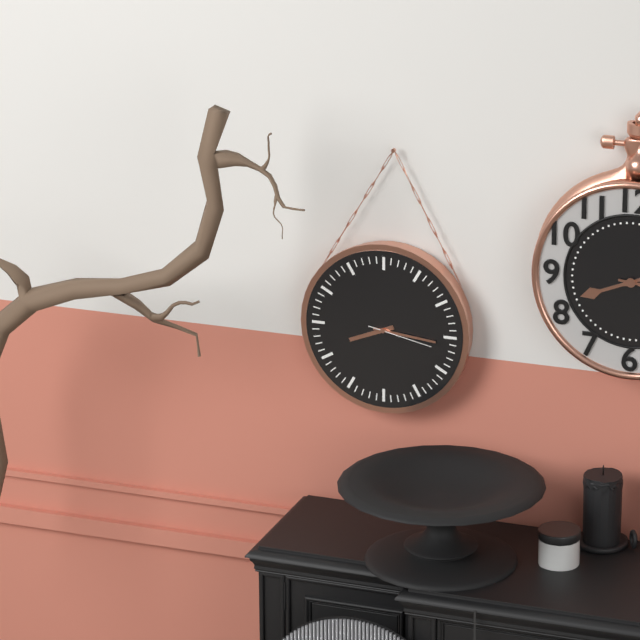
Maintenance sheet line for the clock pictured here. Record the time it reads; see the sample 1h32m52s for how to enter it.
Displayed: 8h16m17s
